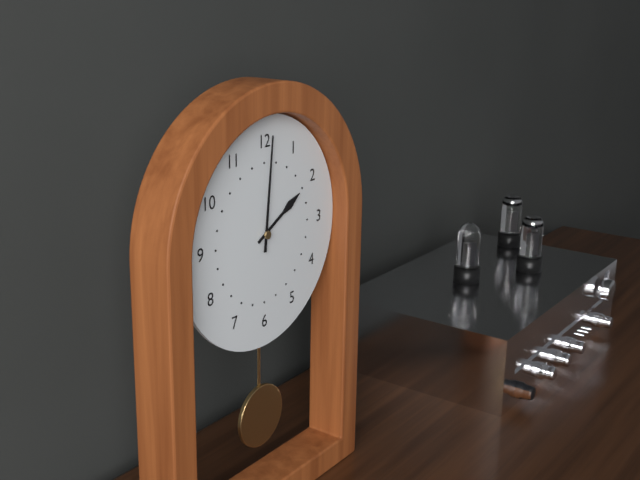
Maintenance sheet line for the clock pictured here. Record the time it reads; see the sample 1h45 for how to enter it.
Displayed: 2h01
